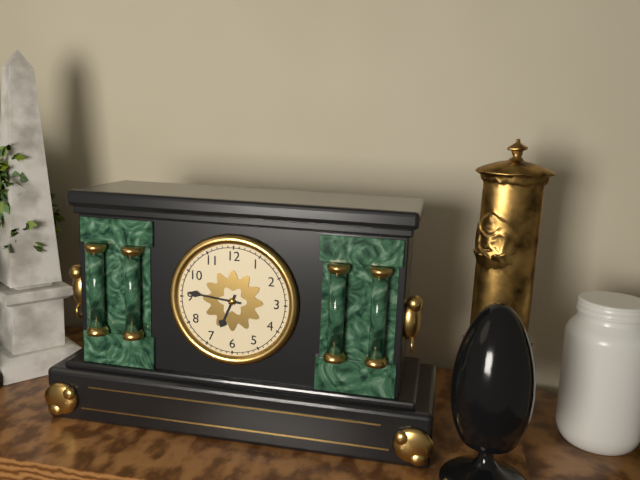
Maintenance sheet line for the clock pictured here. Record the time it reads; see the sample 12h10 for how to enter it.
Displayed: 6h46
